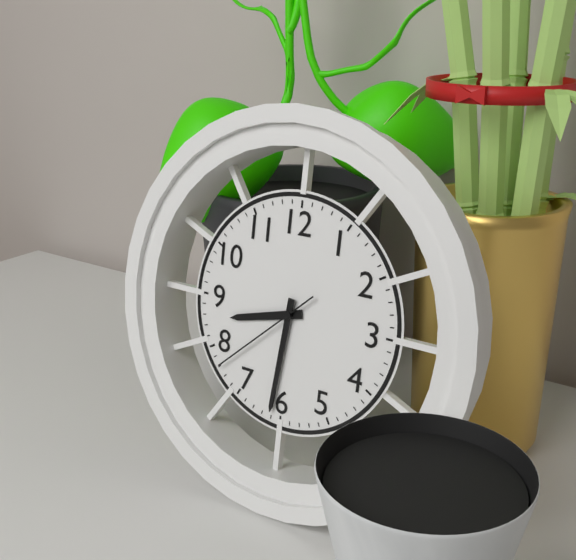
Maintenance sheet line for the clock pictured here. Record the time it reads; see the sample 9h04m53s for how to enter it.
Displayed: 8h31m38s
